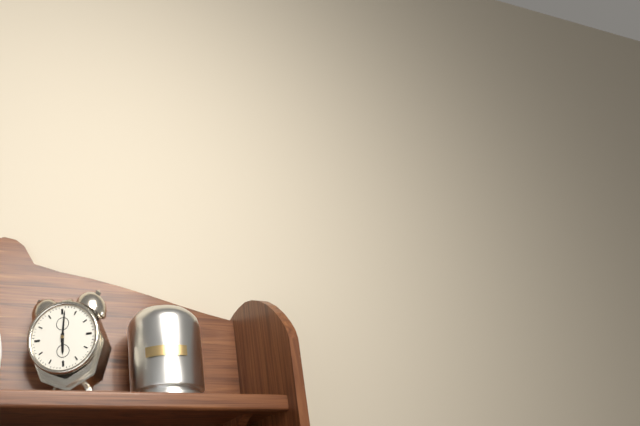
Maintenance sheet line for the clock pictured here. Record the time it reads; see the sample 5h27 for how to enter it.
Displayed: 6h01
